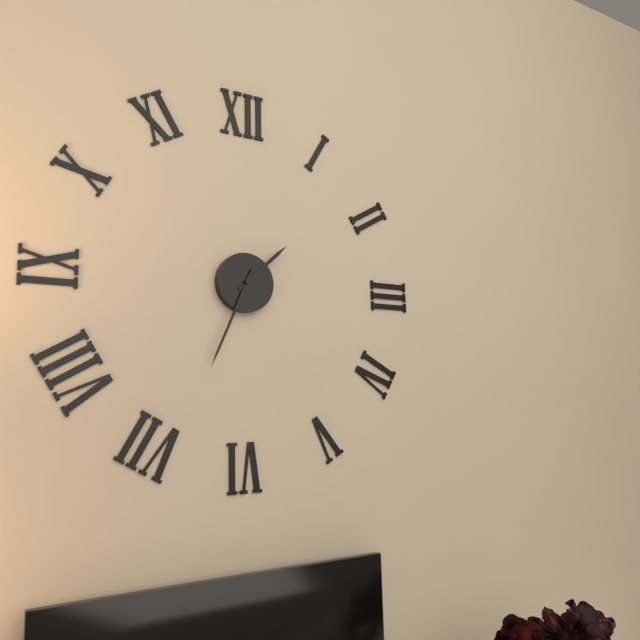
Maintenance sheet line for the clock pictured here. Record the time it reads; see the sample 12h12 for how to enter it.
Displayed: 1h34
